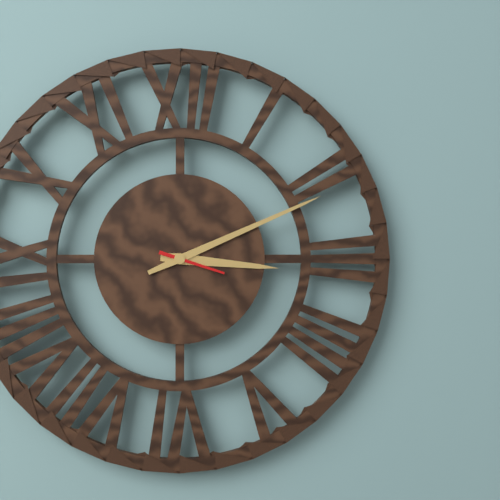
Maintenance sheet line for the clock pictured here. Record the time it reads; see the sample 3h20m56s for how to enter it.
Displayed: 3h11m18s
